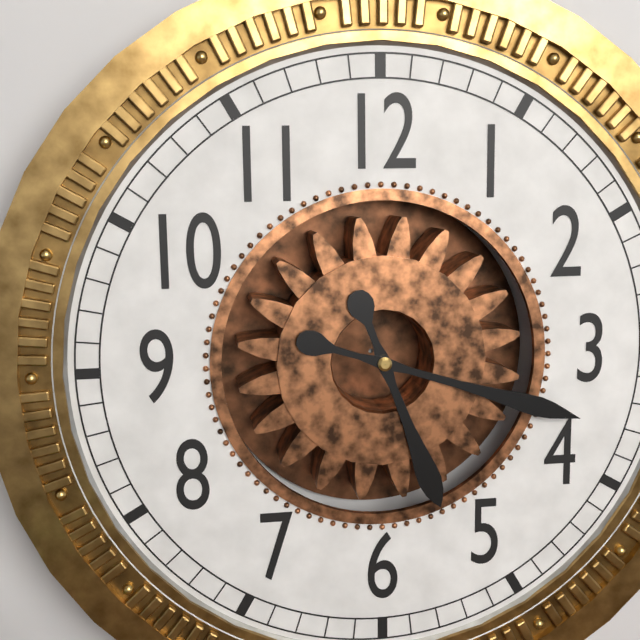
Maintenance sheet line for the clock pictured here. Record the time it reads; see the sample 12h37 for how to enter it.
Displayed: 5h18
